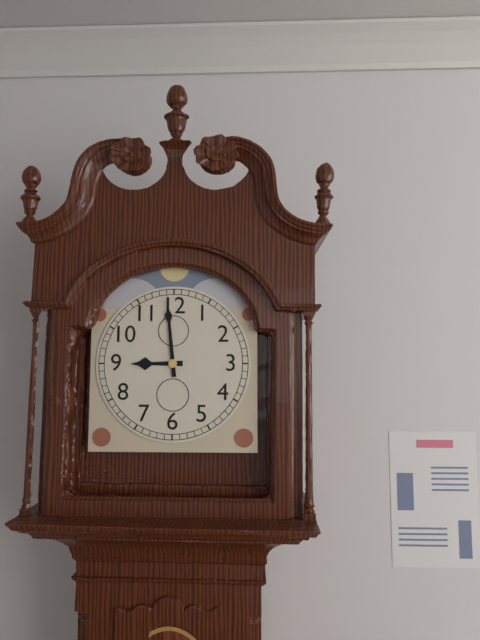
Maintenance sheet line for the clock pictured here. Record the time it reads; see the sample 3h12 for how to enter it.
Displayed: 8h59
